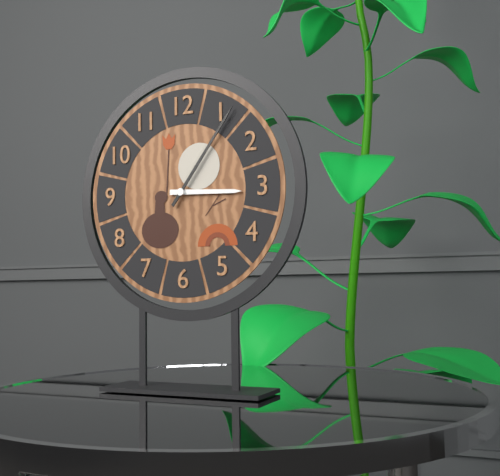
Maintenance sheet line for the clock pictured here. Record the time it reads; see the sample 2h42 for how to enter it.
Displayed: 3h06
